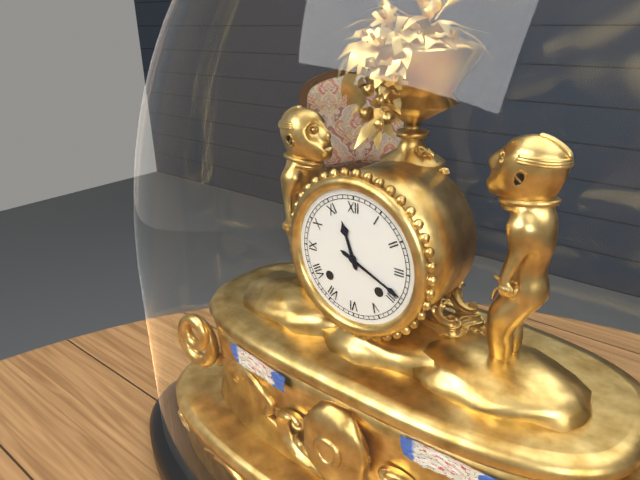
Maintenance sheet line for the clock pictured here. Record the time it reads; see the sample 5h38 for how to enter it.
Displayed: 11h19
